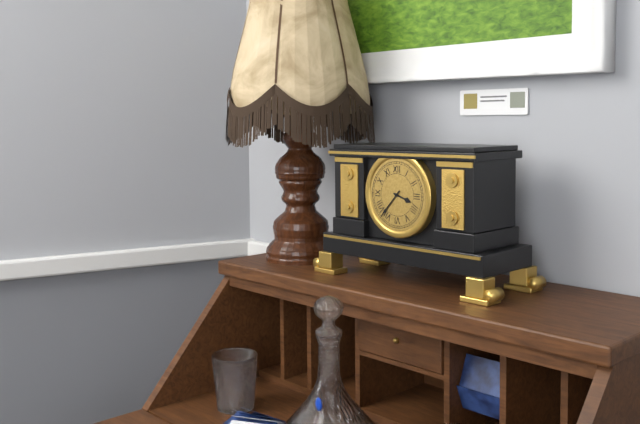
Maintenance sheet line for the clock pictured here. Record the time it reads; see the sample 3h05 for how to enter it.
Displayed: 3h37
